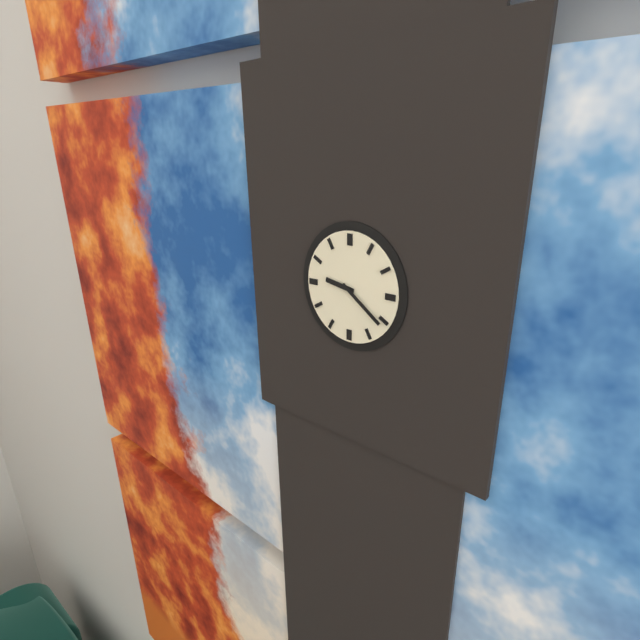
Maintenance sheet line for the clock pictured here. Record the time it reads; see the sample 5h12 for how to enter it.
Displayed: 9h21
